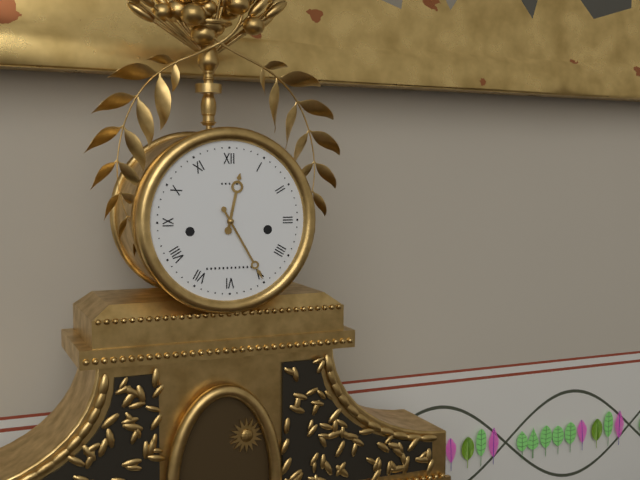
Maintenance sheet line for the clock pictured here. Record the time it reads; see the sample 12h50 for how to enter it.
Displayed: 12h25
